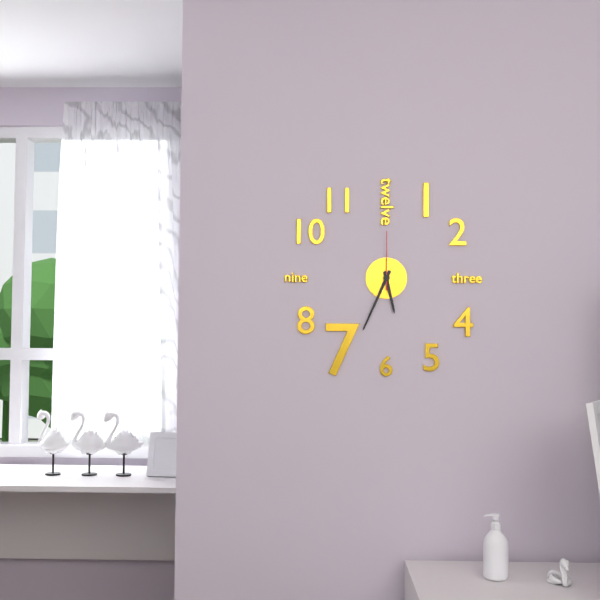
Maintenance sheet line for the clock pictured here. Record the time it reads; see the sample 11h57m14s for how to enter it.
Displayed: 5h34m00s
